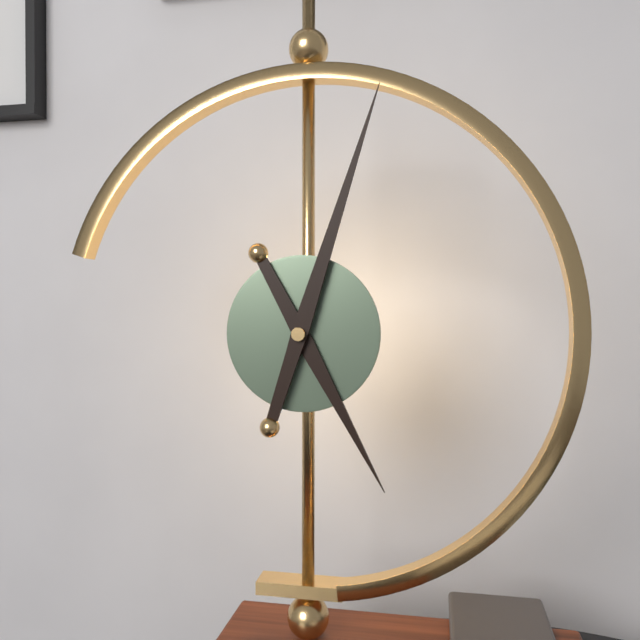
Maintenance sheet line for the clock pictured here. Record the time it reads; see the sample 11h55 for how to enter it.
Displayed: 5h03
